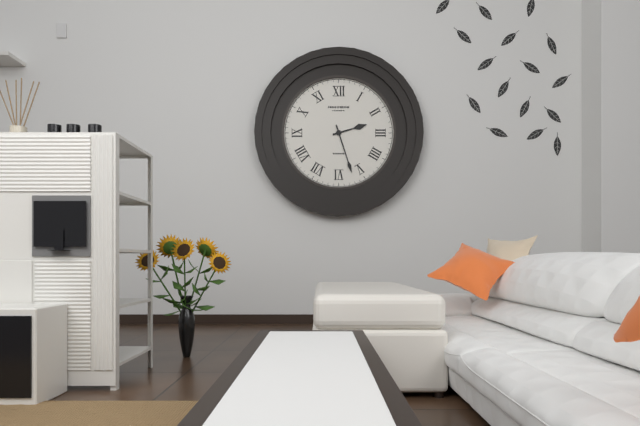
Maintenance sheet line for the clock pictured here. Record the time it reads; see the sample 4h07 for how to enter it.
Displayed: 2h27
